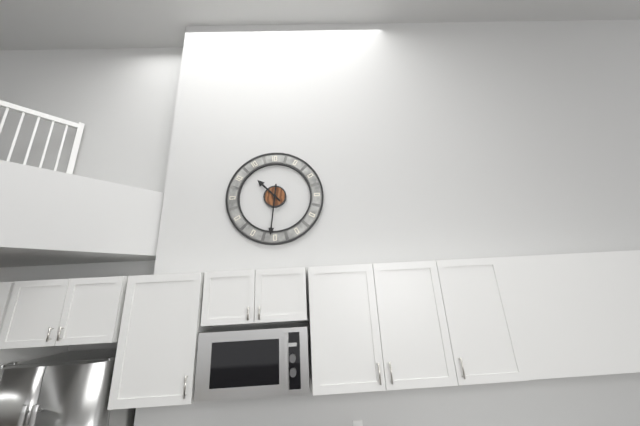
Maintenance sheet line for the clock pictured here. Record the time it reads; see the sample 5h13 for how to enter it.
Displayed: 10h31
